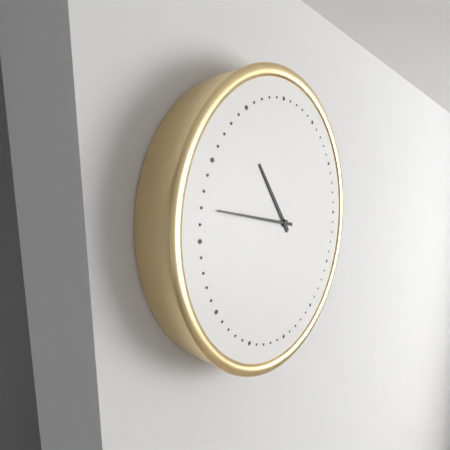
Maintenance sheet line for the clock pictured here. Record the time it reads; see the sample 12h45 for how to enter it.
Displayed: 10h47
